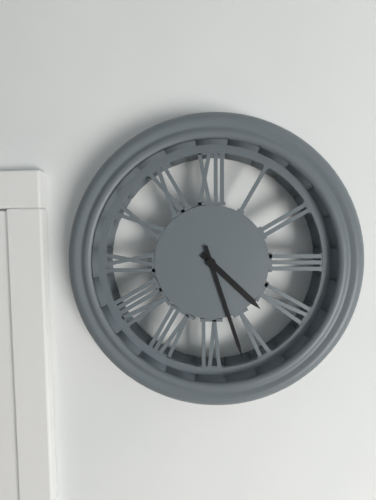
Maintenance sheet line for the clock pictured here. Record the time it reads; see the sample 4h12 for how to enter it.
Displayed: 4h27
